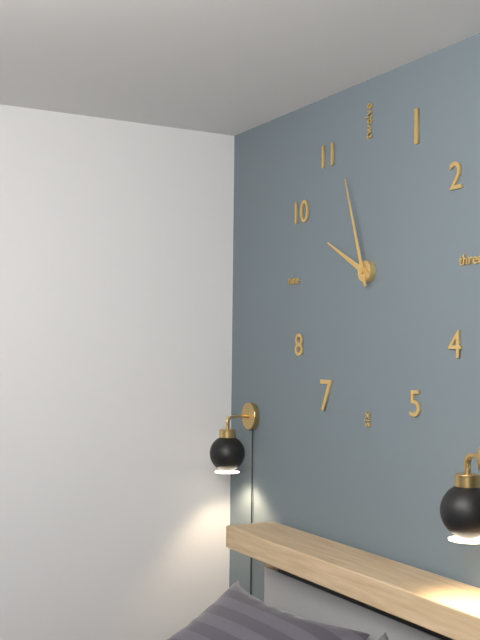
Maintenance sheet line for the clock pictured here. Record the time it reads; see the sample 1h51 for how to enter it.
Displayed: 9h57
